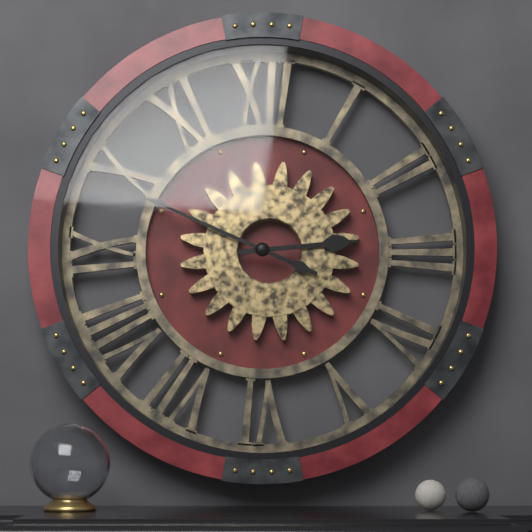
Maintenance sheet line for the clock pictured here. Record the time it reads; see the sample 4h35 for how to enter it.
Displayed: 2h49
